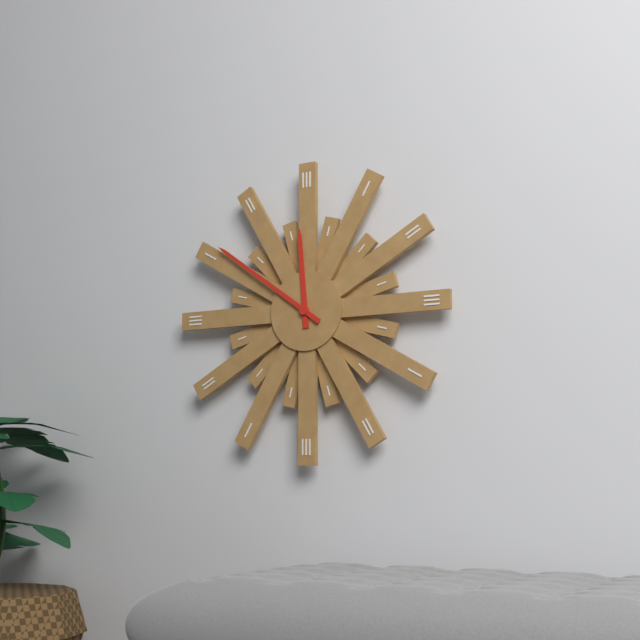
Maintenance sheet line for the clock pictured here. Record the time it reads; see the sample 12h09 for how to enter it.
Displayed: 11h51
